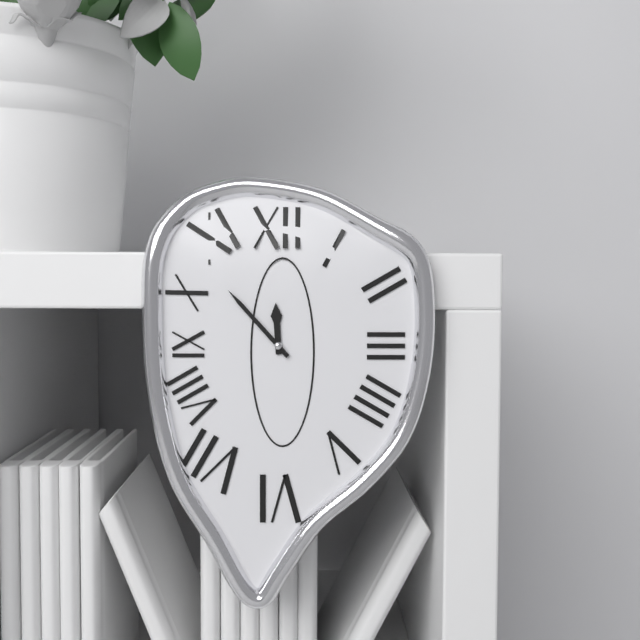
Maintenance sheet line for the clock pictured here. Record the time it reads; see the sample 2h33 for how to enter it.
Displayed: 11h53
